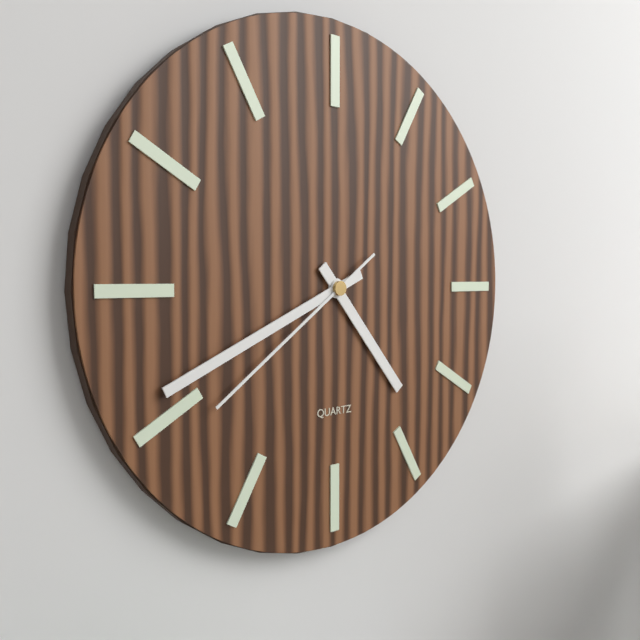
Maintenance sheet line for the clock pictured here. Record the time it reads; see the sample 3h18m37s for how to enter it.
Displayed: 4h41m39s
